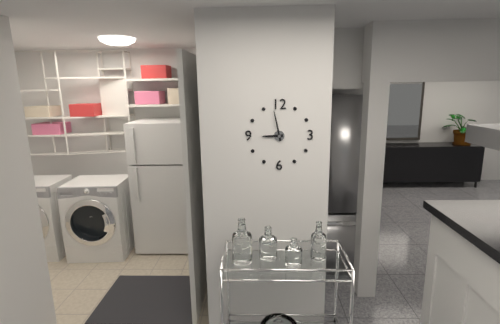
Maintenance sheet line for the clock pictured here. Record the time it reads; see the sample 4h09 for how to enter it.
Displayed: 8h58
